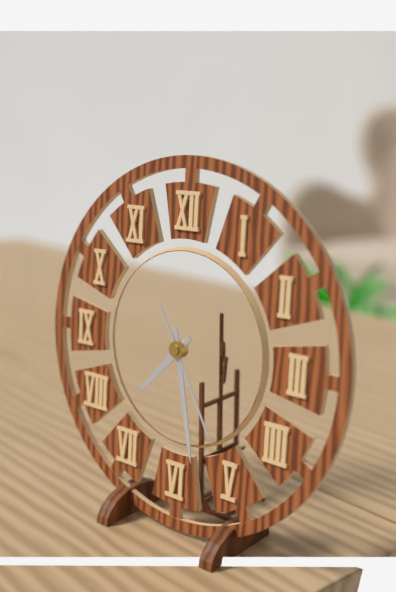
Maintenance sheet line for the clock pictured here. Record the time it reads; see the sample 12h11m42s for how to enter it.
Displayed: 7h28m25s
